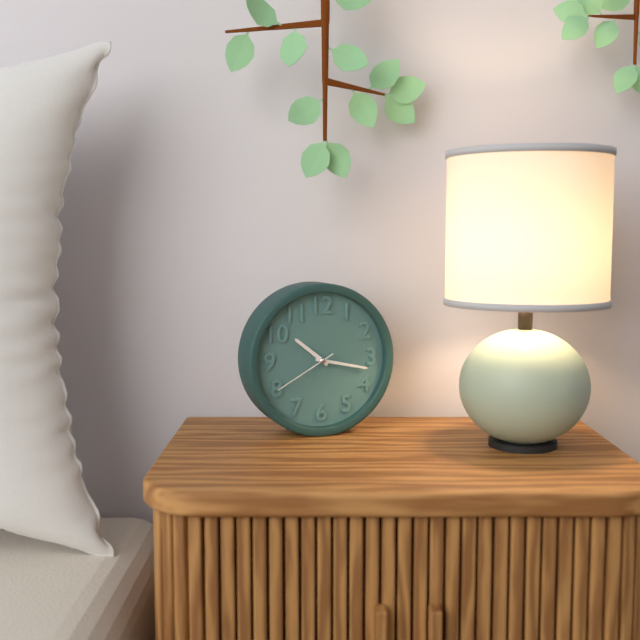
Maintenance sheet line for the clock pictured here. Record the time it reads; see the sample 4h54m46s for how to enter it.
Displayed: 10h17m40s
